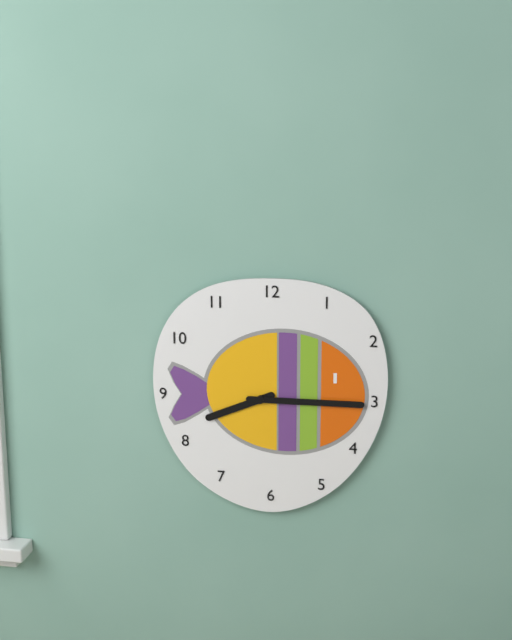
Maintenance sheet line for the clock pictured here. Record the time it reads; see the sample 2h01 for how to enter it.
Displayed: 8h15
